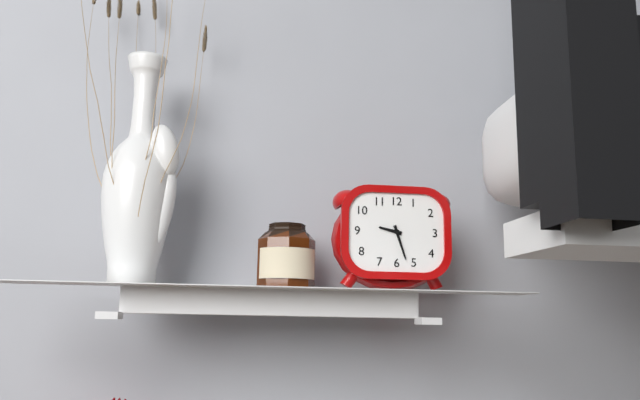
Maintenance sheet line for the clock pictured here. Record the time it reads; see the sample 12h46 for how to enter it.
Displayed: 9h27
